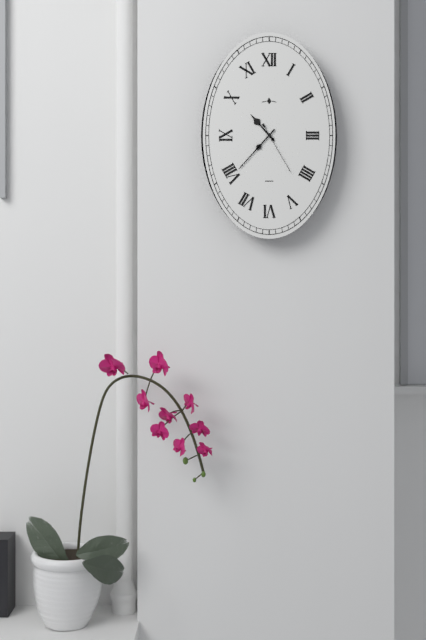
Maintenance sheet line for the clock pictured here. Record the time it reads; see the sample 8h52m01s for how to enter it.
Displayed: 10h37m25s
